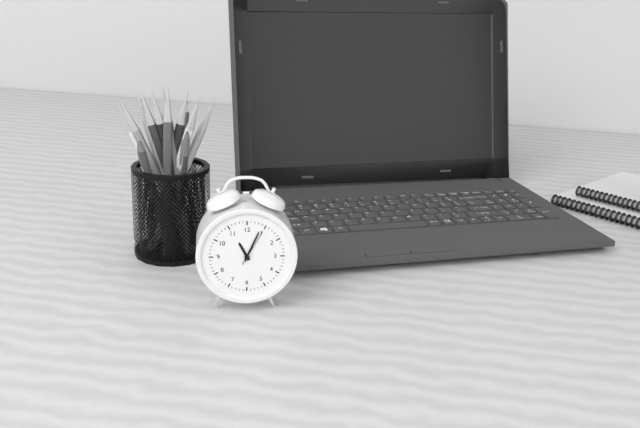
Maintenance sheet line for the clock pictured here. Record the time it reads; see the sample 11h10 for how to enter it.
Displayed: 11h04
